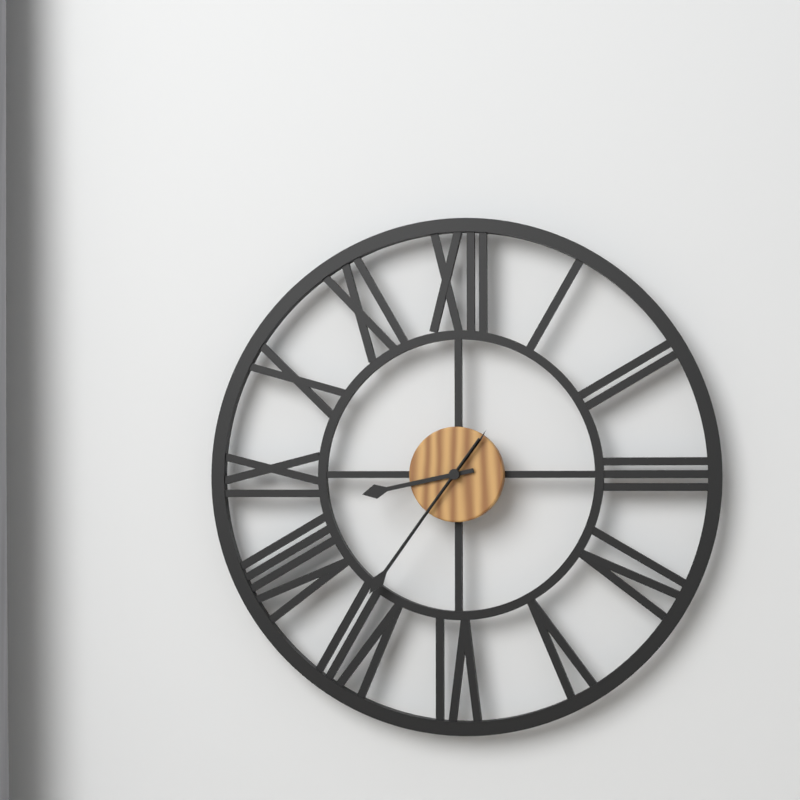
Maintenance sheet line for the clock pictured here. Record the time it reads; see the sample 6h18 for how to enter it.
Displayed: 8h36
